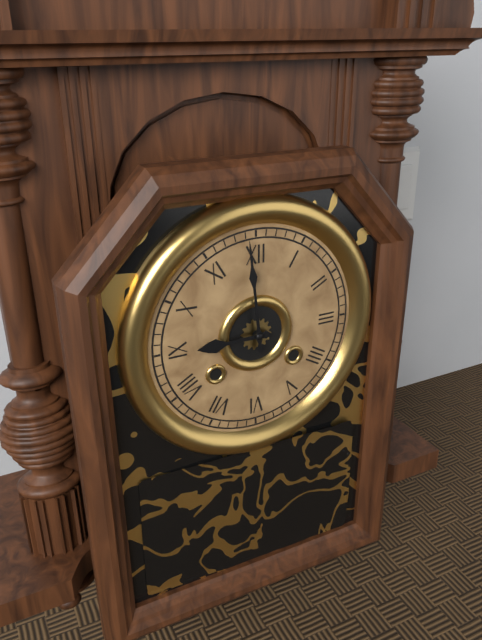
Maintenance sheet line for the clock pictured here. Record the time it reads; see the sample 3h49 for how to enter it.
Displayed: 8h59
